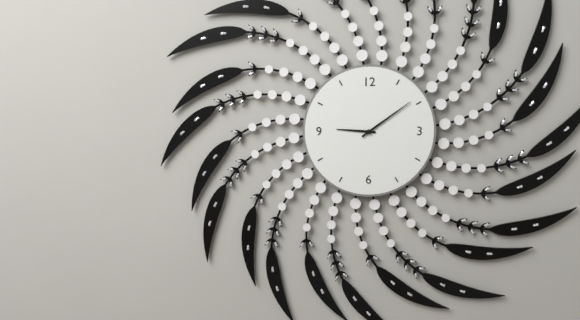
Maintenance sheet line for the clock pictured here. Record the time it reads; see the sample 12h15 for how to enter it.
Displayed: 9h09
